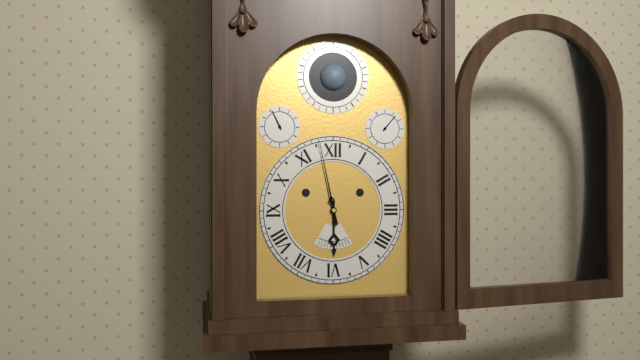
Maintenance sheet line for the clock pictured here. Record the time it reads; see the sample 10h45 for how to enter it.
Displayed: 5h58
